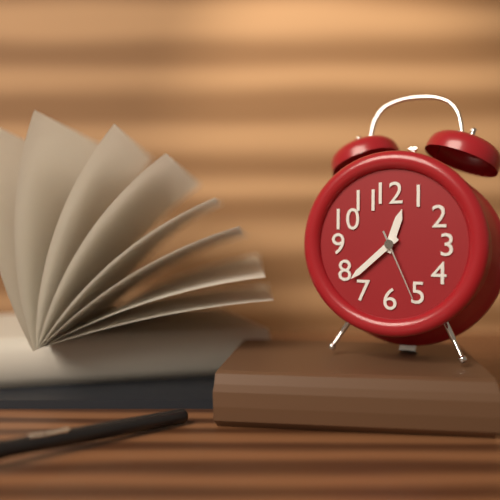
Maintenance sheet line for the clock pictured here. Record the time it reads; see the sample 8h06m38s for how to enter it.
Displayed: 12h38m26s
